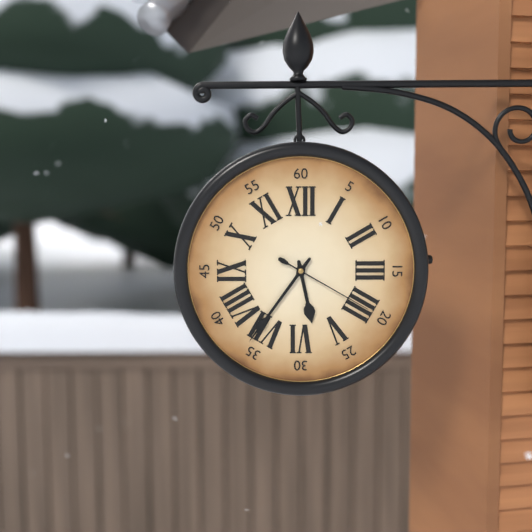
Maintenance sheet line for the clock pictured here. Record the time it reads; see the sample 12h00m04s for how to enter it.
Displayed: 5h36m20s
